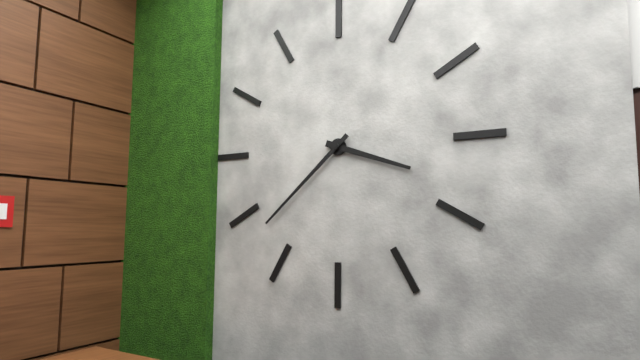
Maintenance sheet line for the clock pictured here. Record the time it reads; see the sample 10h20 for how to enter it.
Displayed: 3h38
